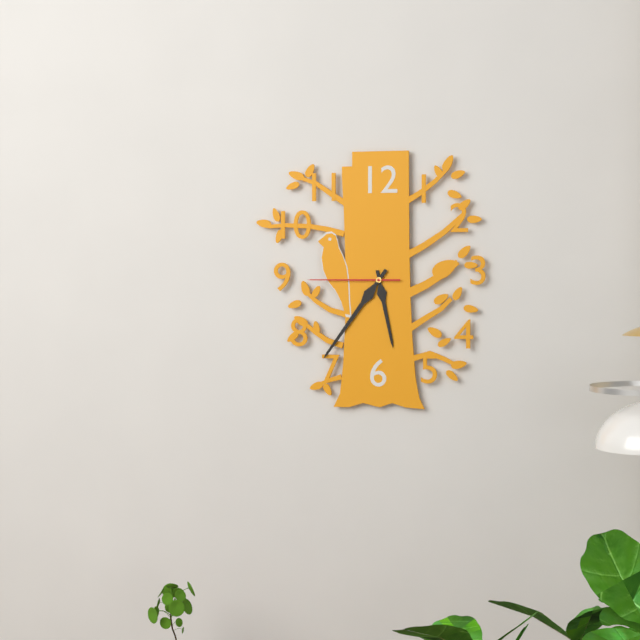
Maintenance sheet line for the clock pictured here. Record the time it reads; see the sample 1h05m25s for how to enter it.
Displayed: 5h36m45s
